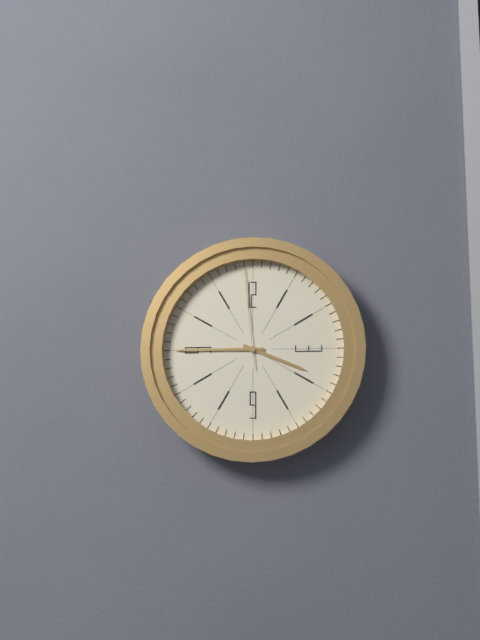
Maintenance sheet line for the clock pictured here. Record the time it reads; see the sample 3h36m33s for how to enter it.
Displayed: 3h45m59s
